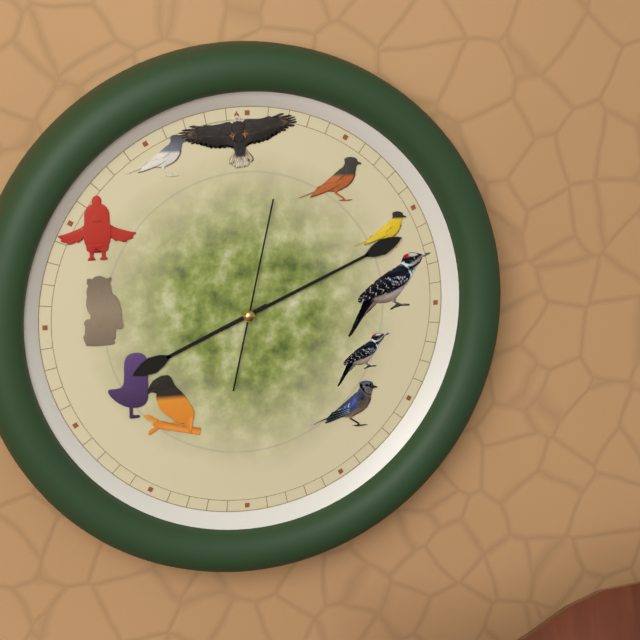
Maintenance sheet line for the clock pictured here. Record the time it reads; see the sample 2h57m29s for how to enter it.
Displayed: 8h11m02s
